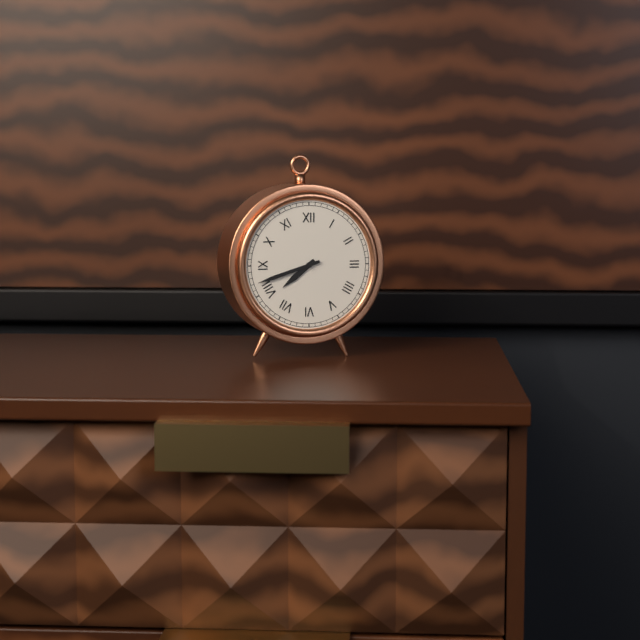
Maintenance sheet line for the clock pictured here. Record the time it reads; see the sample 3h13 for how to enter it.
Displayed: 7h42
